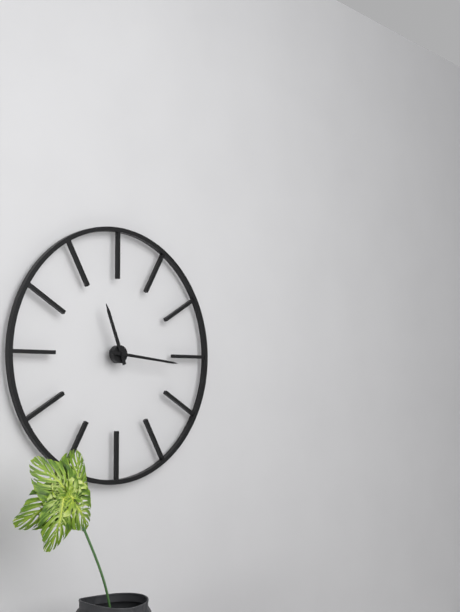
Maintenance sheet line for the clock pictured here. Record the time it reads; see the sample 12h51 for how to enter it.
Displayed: 11h16
